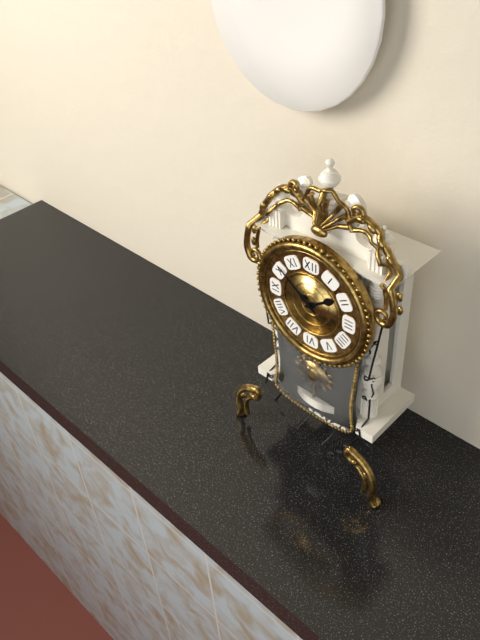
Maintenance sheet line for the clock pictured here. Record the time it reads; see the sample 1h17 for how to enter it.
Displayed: 1h51
